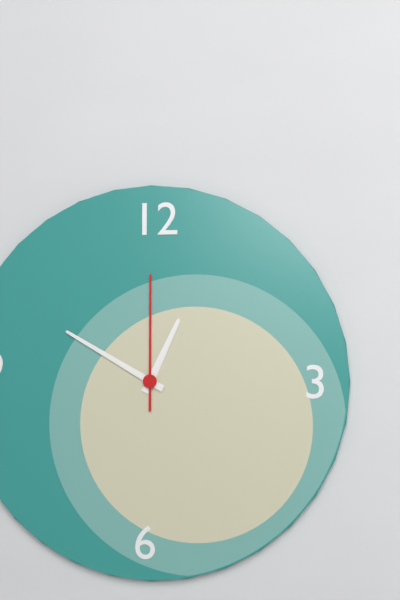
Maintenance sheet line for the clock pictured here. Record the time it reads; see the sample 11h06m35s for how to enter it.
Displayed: 12h50m00s
